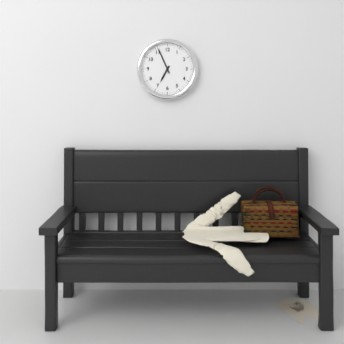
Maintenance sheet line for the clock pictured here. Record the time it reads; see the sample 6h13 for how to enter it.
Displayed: 6h56
